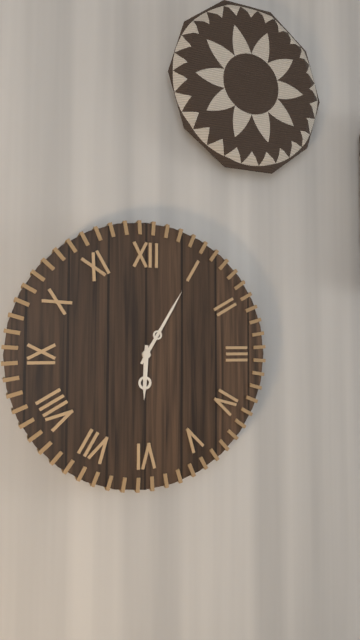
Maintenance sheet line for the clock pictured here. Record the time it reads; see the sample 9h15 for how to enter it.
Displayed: 6h05
